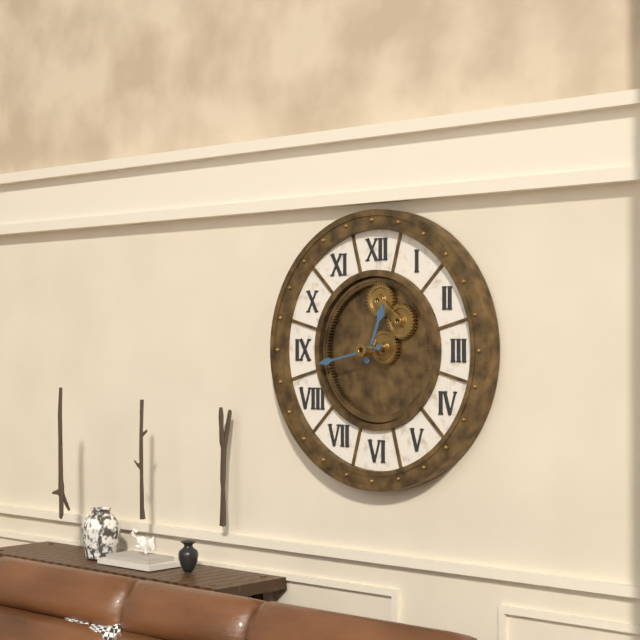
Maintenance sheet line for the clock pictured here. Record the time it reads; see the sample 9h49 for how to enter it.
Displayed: 12h43
